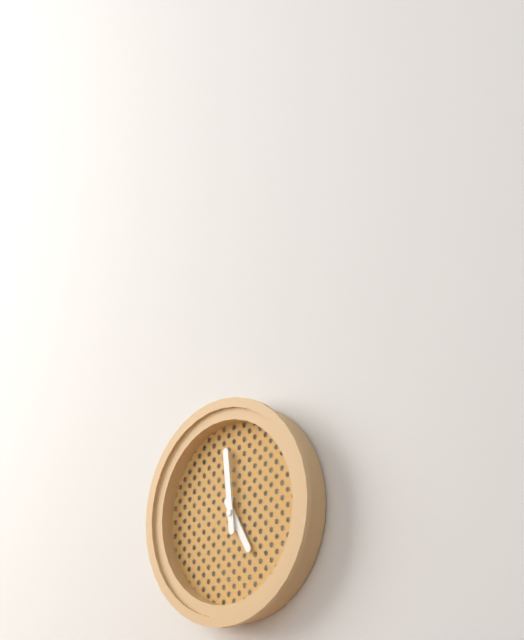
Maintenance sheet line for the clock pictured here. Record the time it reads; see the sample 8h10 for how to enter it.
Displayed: 4h59
